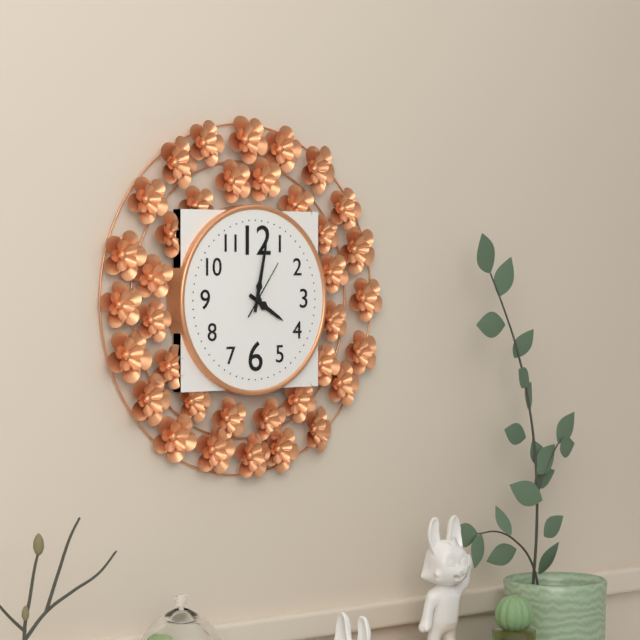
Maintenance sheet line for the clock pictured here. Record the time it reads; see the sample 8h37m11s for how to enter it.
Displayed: 4h02m06s
